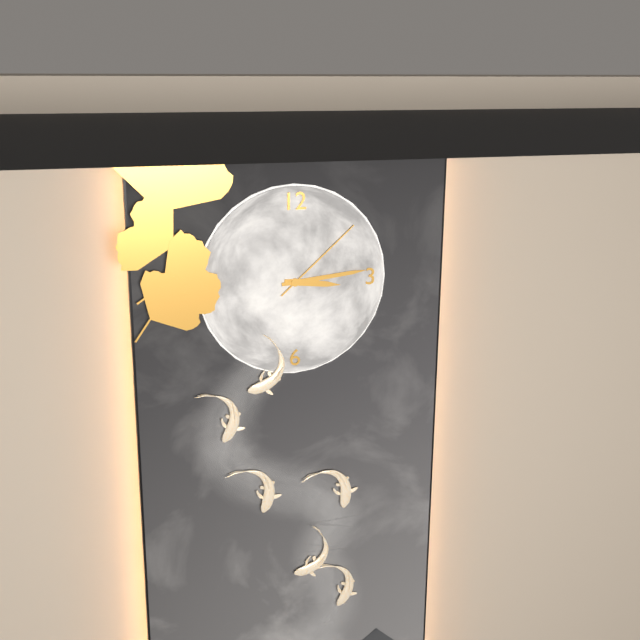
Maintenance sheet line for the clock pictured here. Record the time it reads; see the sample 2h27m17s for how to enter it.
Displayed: 3h14m08s
